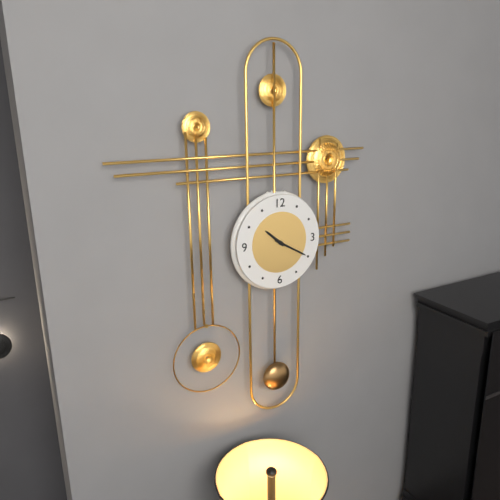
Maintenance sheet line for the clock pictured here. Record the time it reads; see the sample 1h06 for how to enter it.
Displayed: 10h20
